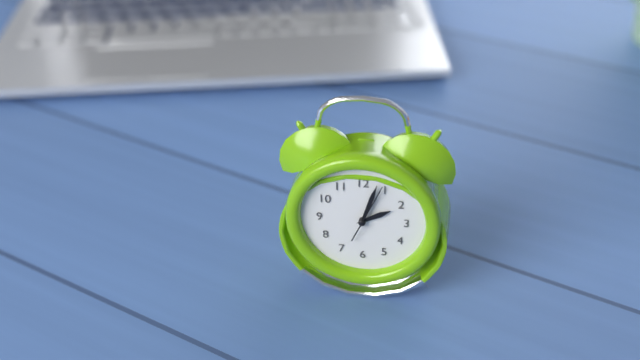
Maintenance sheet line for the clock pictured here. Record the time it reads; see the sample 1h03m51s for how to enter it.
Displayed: 2h03m04s
